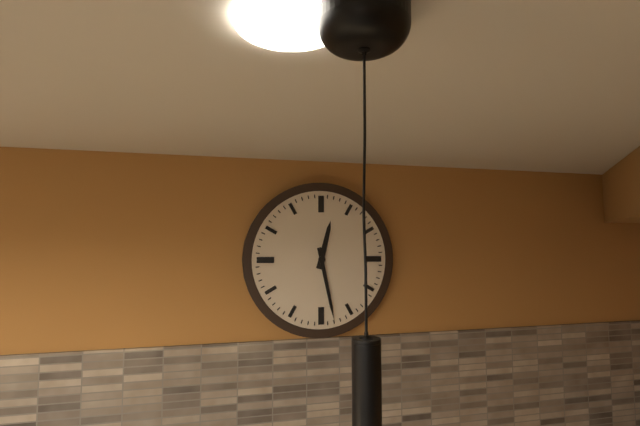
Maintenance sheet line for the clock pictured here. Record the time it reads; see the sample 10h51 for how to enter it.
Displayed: 12h28
